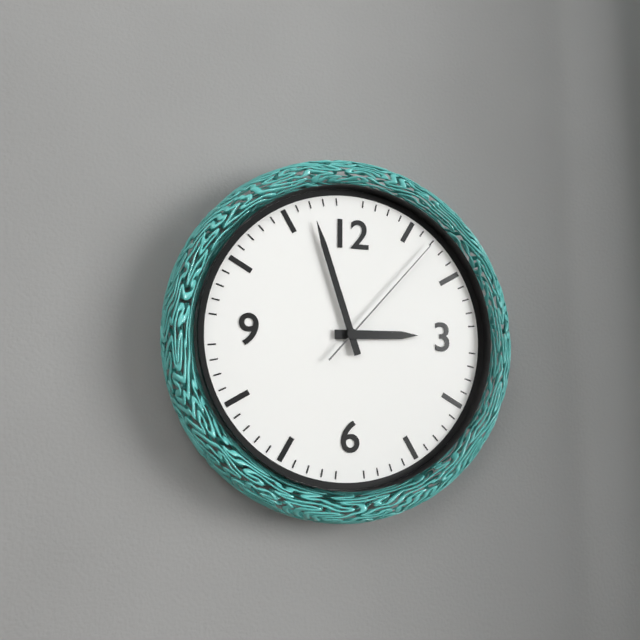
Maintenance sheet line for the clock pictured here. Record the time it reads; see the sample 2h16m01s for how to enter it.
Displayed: 2h57m07s
